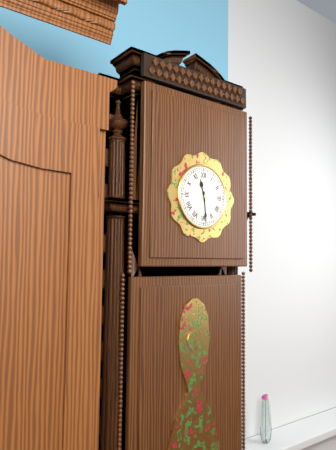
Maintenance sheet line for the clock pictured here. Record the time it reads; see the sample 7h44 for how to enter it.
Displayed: 11h29
